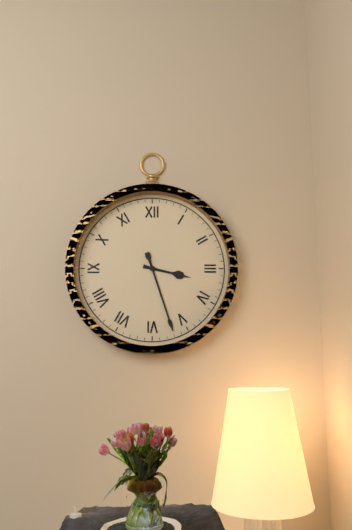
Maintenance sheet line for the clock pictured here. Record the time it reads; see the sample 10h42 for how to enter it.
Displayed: 3h27
